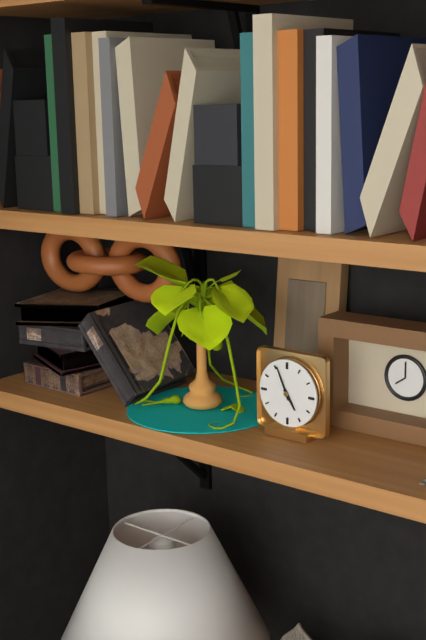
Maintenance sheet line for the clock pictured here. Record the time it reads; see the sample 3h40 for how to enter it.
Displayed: 4h56
